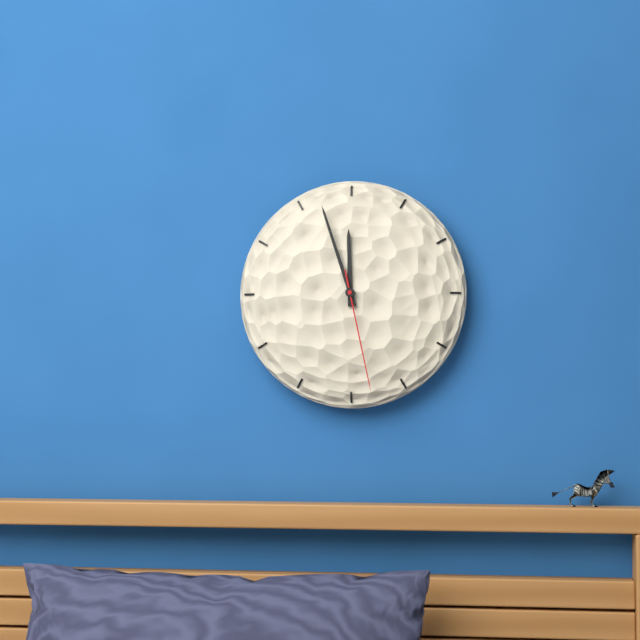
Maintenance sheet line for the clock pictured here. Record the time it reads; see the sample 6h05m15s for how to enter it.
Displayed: 11h57m28s
